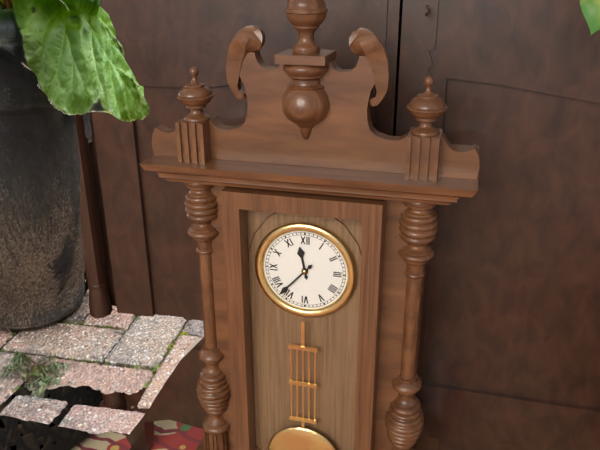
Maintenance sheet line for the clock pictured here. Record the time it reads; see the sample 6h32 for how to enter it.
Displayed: 11h37
